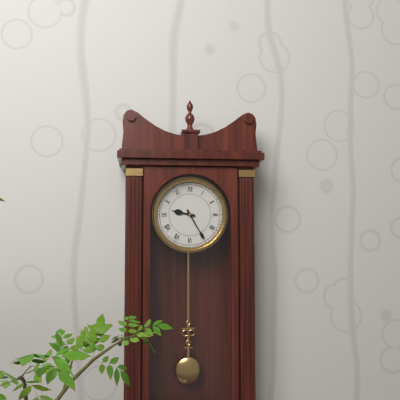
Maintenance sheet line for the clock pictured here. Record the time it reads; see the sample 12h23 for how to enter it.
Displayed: 9h25
